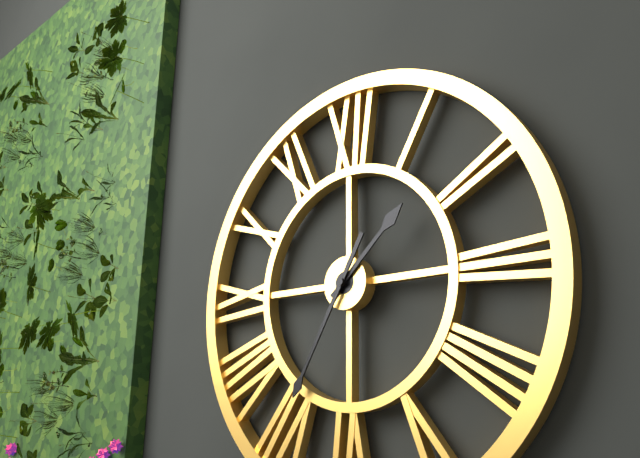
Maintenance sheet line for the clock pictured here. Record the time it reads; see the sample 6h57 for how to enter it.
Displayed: 1h35
